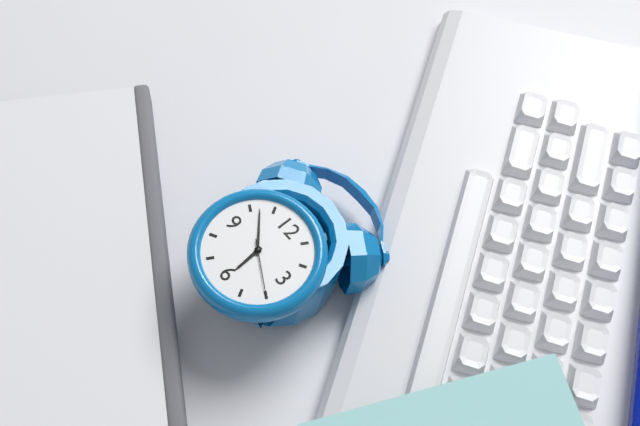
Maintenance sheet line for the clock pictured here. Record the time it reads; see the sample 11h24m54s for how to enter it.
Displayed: 5h52m20s
